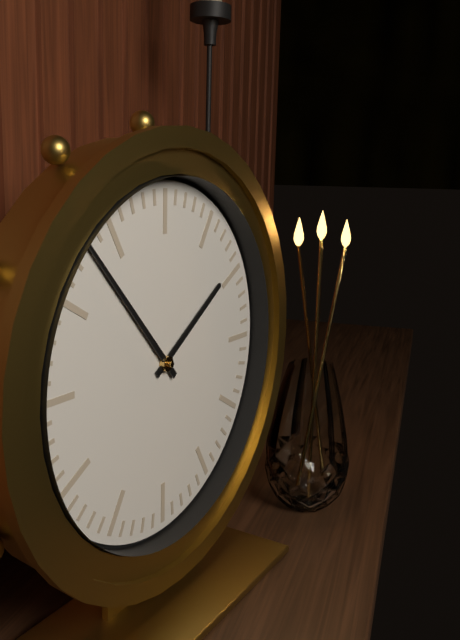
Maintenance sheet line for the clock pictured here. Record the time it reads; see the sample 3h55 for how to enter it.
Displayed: 1h53
